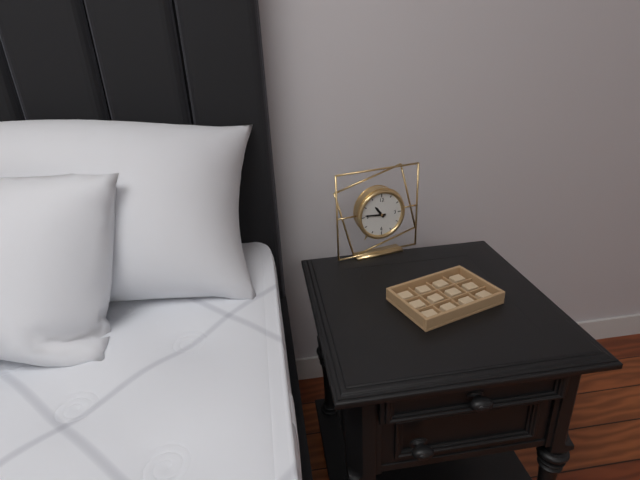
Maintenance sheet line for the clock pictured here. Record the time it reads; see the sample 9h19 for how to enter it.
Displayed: 10h46
